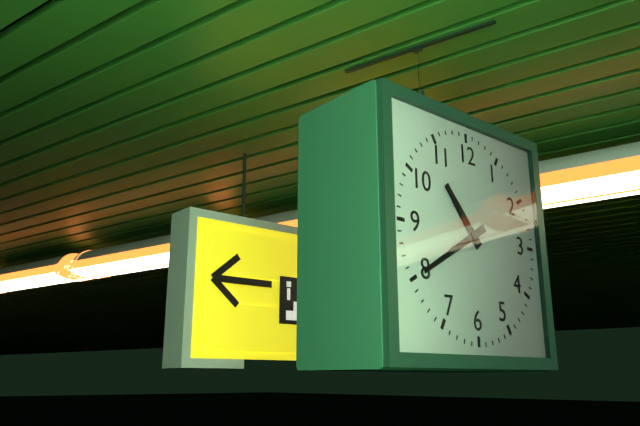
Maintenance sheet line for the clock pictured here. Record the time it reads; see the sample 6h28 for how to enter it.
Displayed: 10h40
